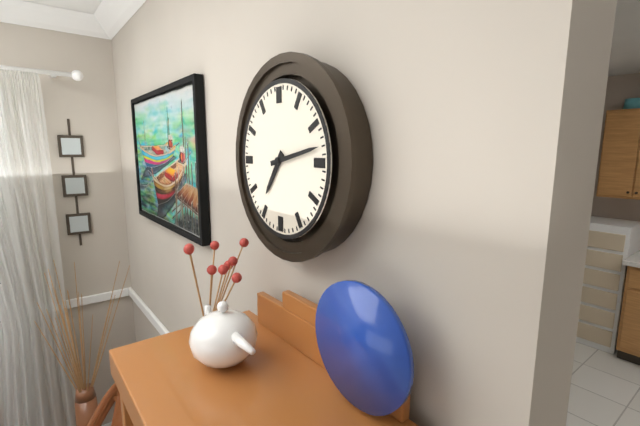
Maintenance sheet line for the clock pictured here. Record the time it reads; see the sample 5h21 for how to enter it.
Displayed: 7h13
